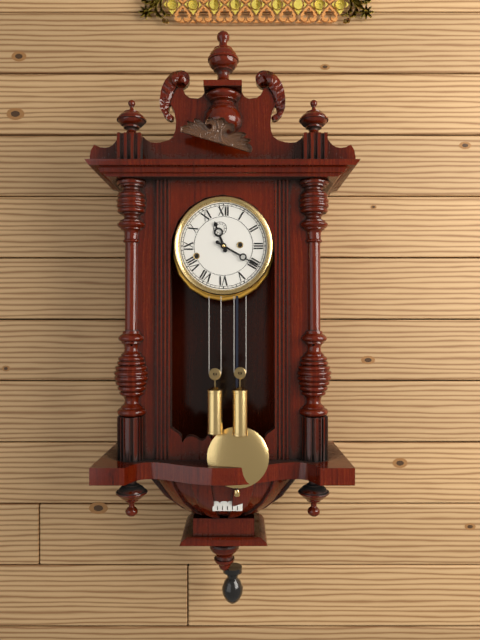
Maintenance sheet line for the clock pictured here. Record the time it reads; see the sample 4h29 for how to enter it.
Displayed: 11h20
